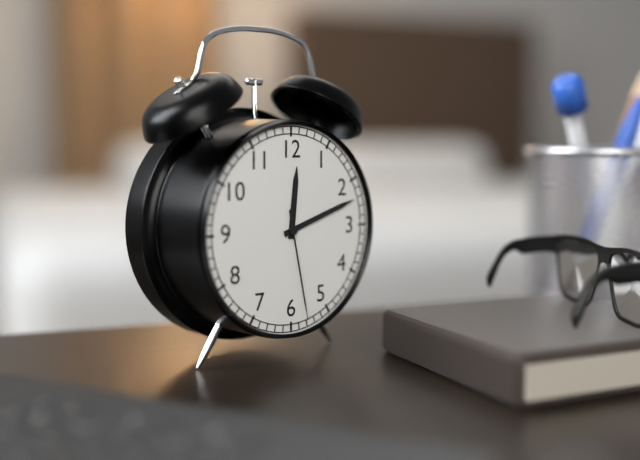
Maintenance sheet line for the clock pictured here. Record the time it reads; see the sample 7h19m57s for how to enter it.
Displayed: 12h12m28s
